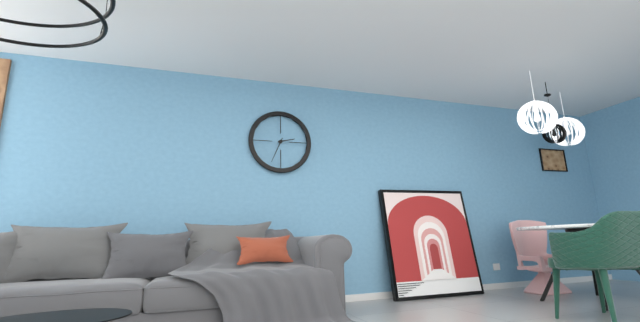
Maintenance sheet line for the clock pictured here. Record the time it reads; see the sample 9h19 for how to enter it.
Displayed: 2h34
